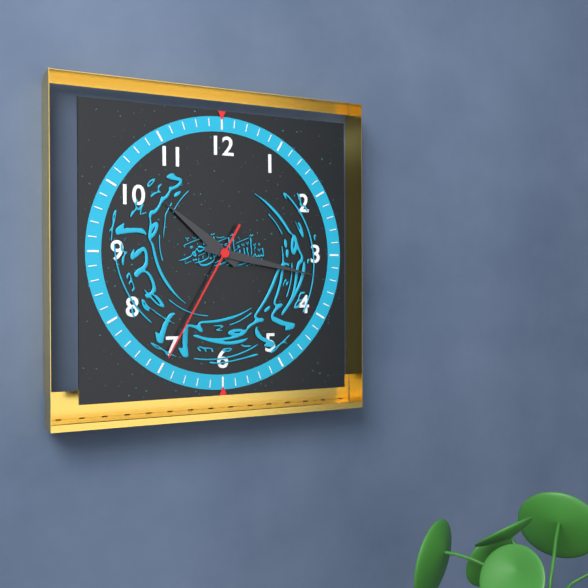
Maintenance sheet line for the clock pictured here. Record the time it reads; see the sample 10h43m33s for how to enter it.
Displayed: 10h17m35s
